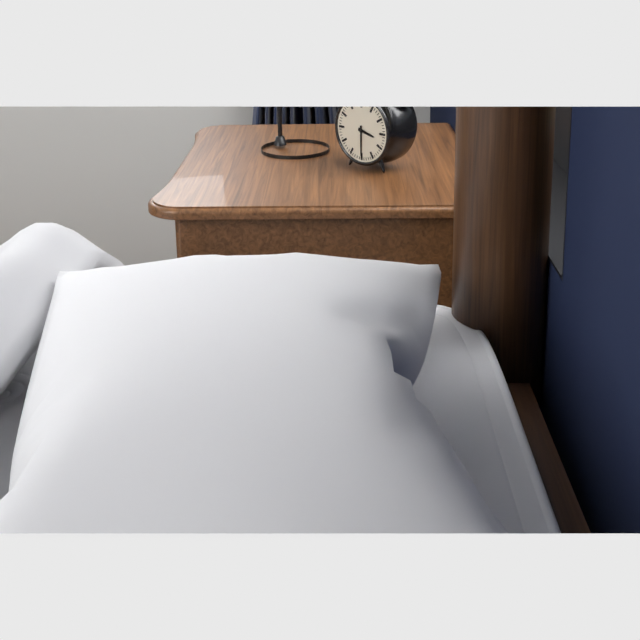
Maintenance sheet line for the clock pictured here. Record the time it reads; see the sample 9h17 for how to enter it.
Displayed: 3h30
